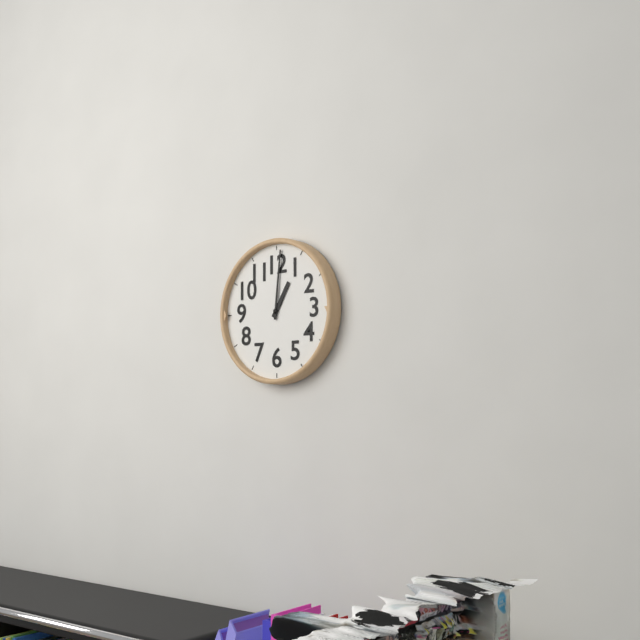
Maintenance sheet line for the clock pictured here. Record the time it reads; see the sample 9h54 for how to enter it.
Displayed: 1h01
